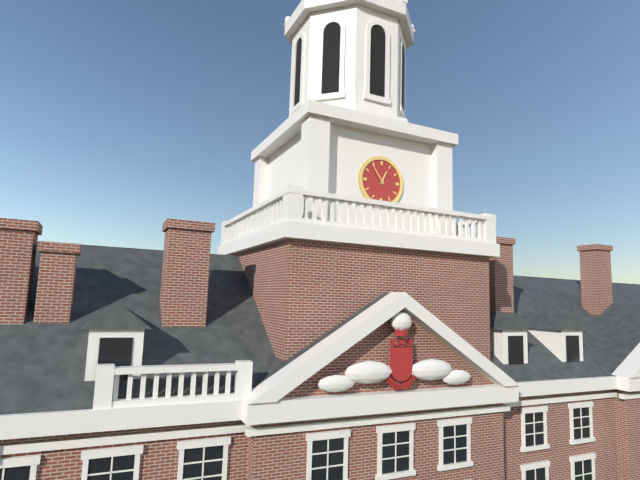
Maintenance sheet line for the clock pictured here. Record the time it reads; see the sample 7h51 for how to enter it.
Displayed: 12h54
